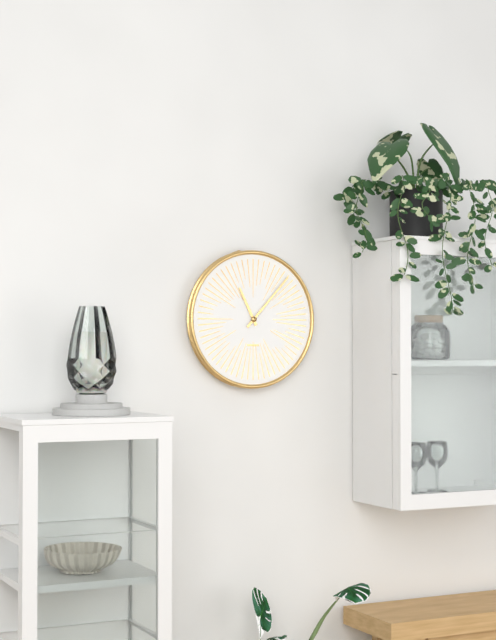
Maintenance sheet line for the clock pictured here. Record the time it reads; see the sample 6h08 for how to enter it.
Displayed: 11h07
